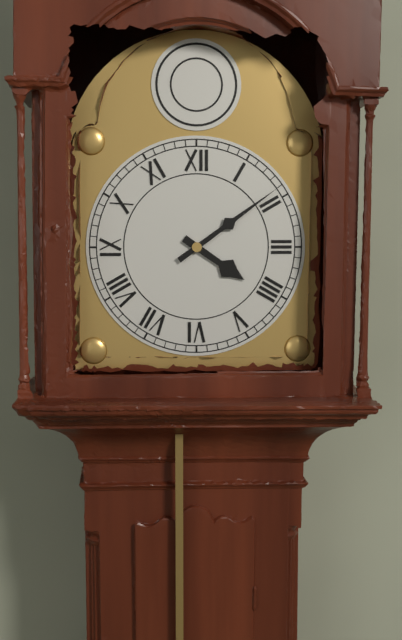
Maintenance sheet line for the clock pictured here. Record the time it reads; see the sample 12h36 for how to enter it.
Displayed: 4h09
